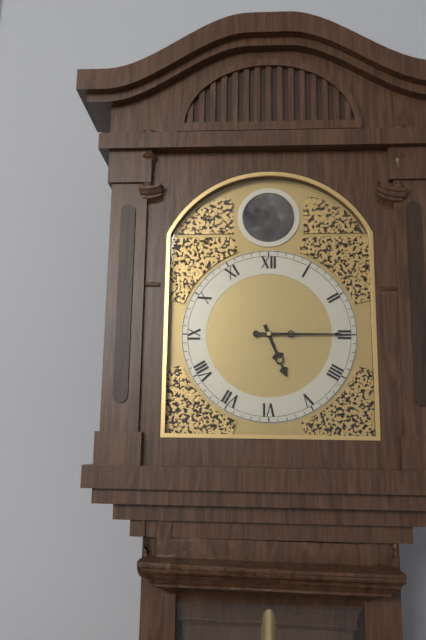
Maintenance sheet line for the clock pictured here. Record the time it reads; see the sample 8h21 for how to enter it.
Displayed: 5h15
